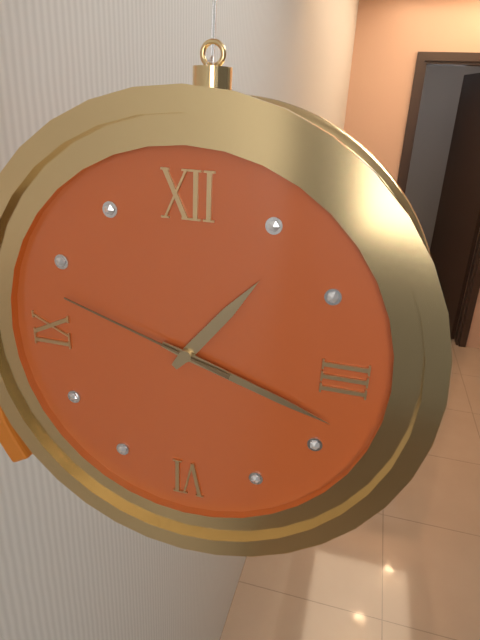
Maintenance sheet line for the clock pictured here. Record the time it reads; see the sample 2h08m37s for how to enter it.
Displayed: 1h18m48s
